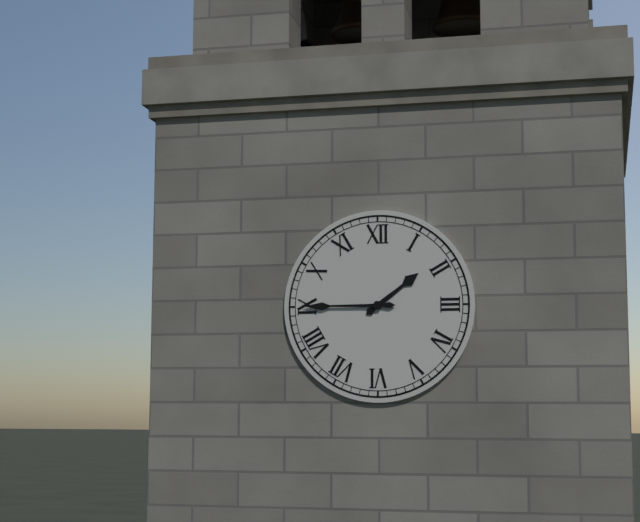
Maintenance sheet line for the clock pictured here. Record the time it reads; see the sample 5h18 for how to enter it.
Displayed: 1h45
